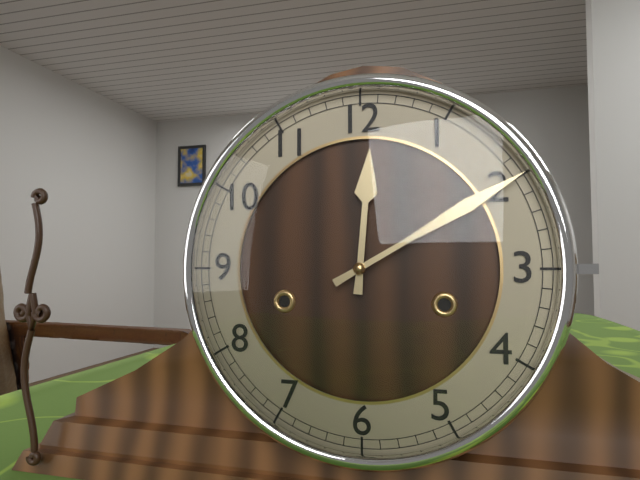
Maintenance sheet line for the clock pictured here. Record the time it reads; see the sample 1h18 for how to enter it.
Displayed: 12h10
